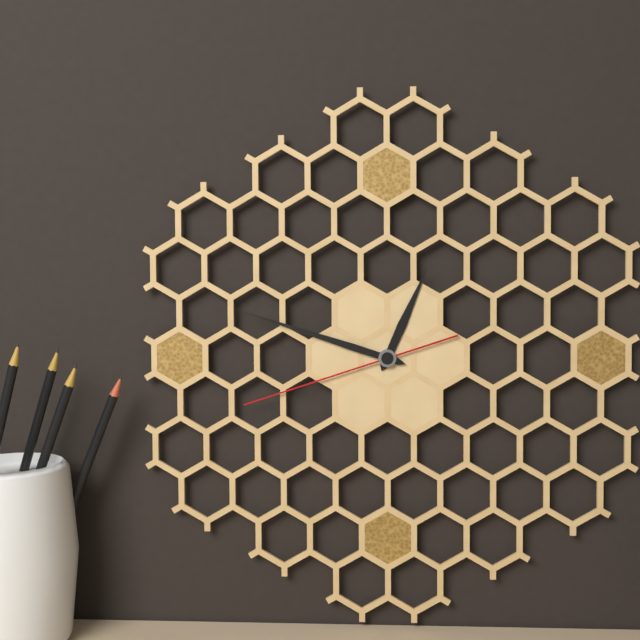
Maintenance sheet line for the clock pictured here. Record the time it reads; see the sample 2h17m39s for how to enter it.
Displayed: 12h48m42s
